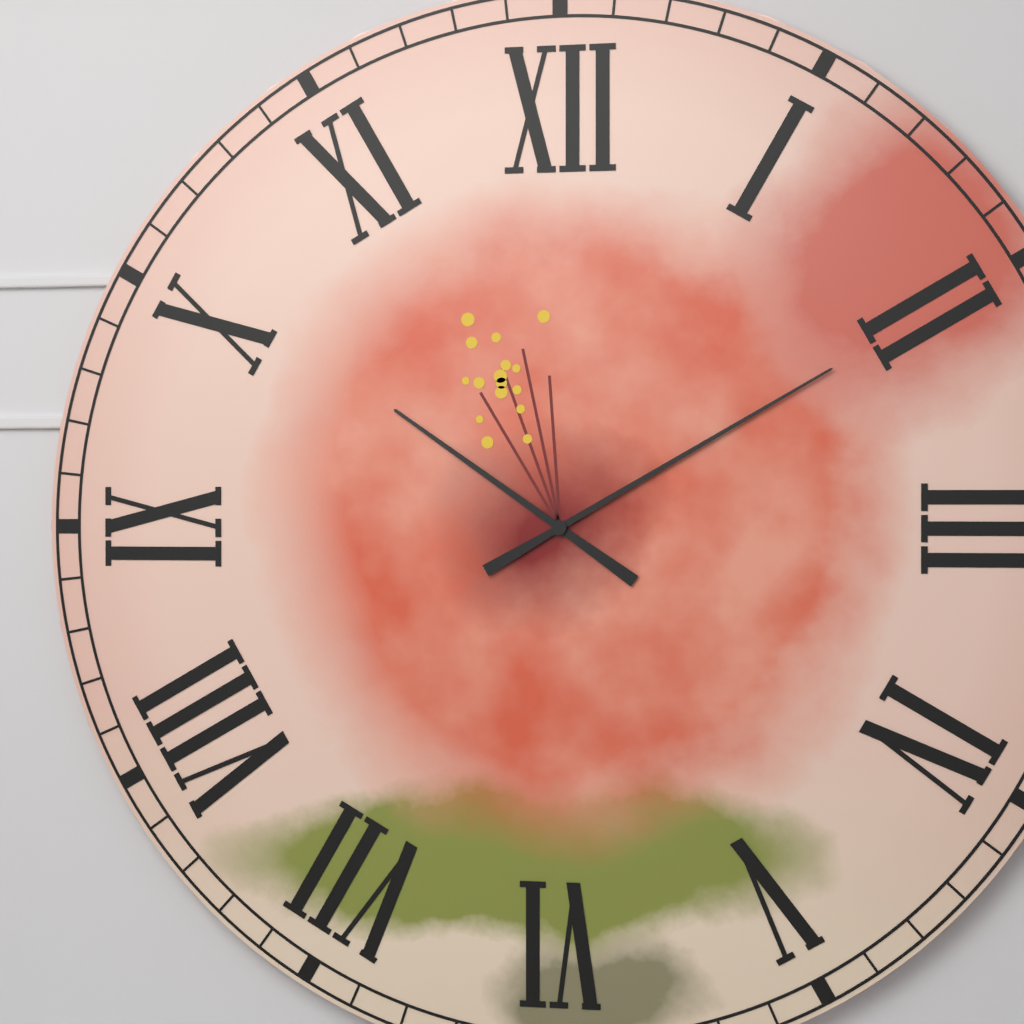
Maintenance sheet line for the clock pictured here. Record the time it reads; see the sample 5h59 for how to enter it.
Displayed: 10h10
